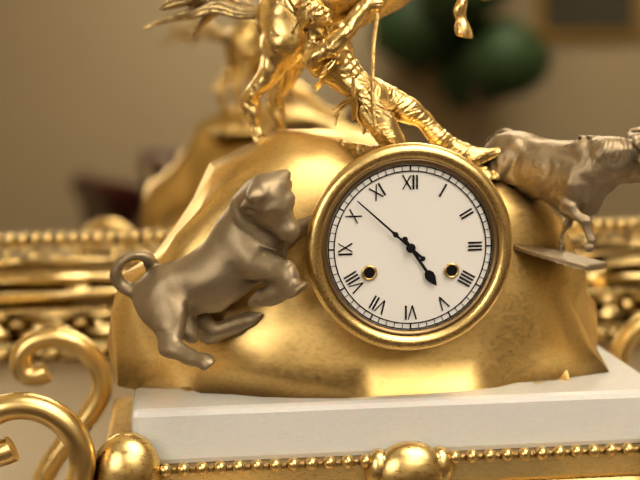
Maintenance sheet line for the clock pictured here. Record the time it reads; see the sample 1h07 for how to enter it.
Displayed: 4h52
